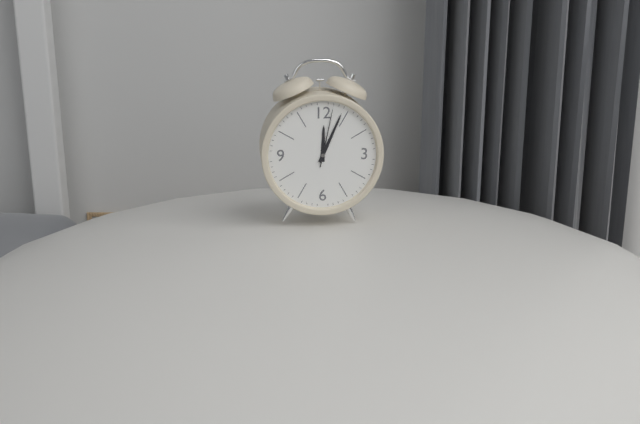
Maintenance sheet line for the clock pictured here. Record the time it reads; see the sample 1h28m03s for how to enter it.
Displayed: 12h04m02s
